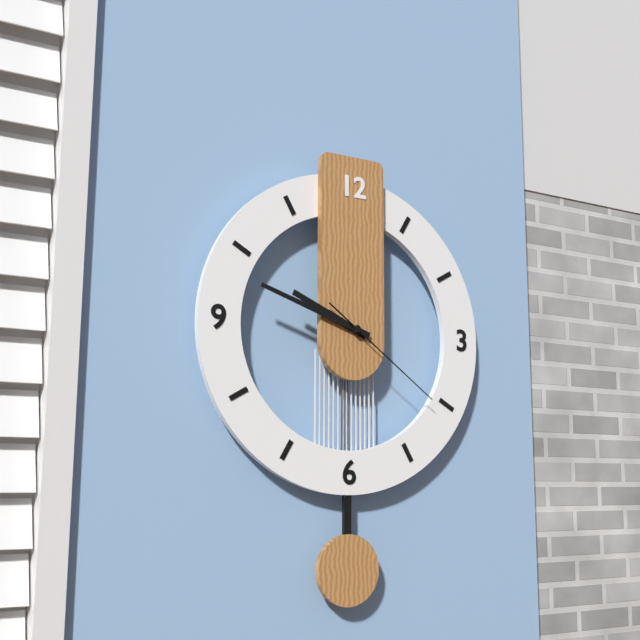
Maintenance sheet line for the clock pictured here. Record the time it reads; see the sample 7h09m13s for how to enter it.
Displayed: 9h48m21s
